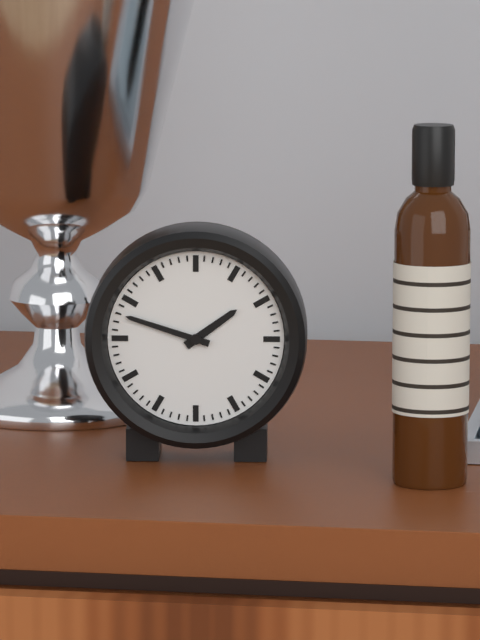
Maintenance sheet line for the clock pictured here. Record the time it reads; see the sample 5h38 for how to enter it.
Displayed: 1h48
